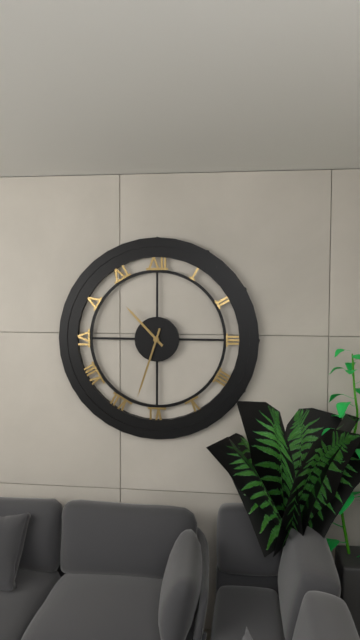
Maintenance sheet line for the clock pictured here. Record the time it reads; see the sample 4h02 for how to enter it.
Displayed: 10h33
